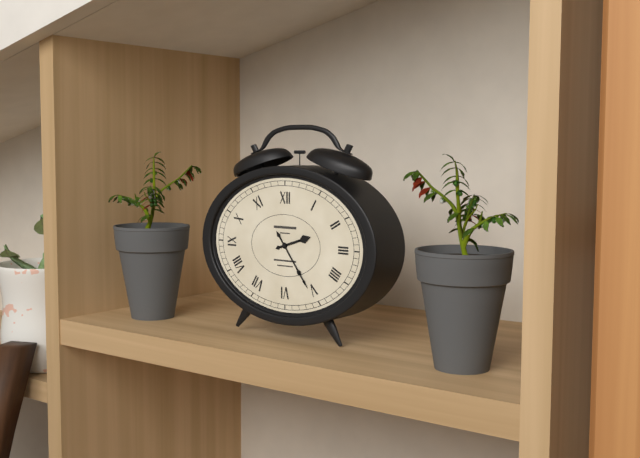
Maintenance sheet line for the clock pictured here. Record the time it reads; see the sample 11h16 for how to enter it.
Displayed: 2h24
